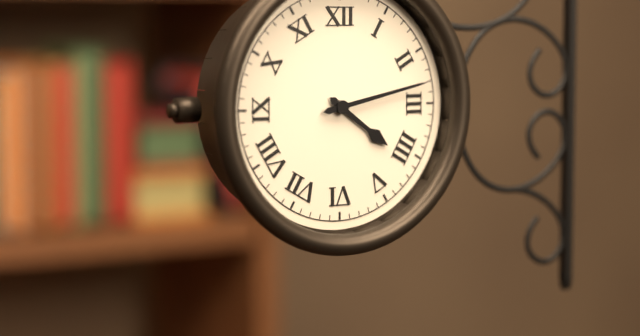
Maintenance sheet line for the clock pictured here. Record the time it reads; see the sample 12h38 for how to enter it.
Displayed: 4h13
